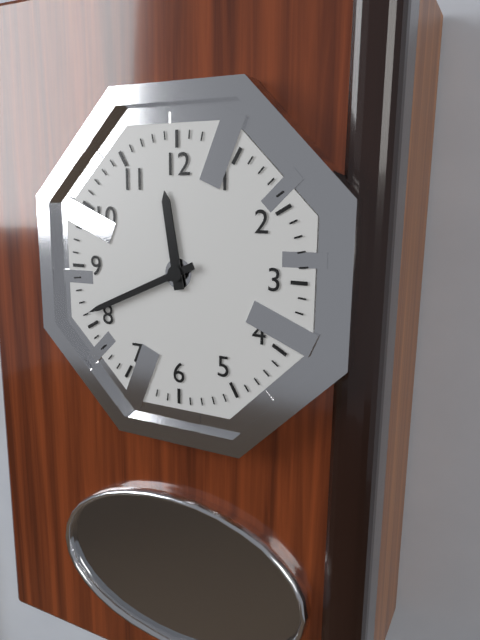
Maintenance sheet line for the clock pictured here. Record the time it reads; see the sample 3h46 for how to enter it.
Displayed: 11h41
